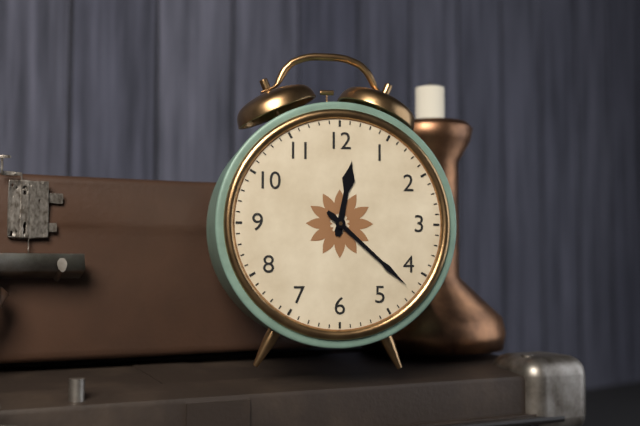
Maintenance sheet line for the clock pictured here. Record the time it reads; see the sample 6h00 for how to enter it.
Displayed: 12h22
